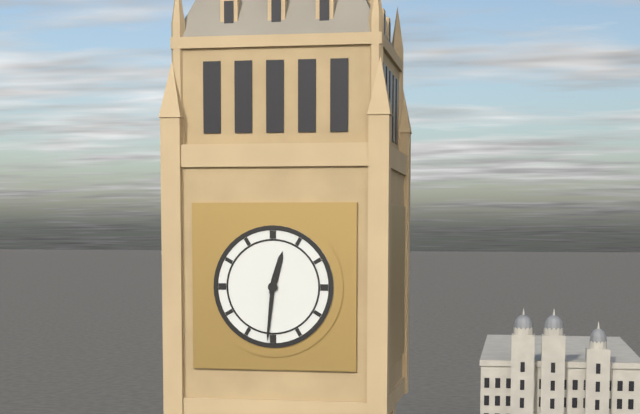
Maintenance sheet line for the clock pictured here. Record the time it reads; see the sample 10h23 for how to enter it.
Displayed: 12h31
